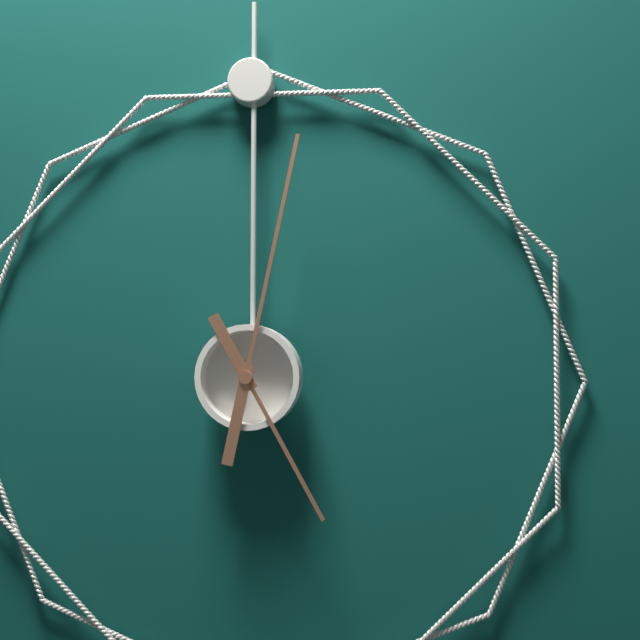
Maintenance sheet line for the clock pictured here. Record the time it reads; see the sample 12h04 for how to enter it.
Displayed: 5h02
